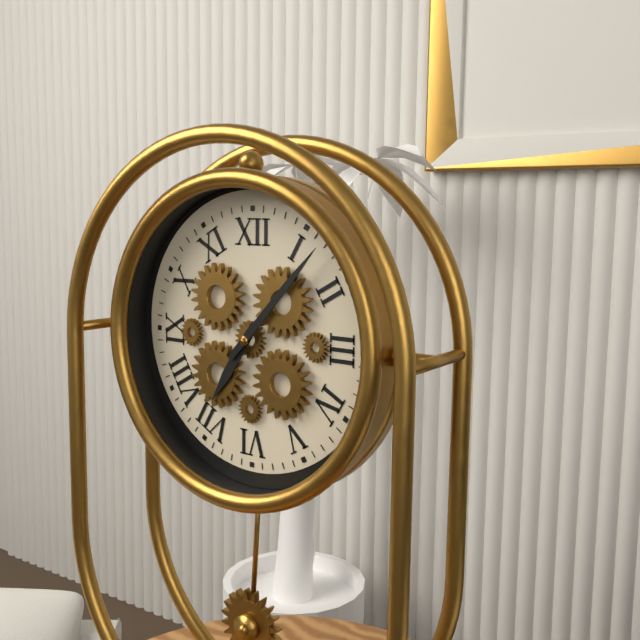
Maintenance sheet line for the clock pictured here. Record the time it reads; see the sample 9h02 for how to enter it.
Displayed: 7h07
